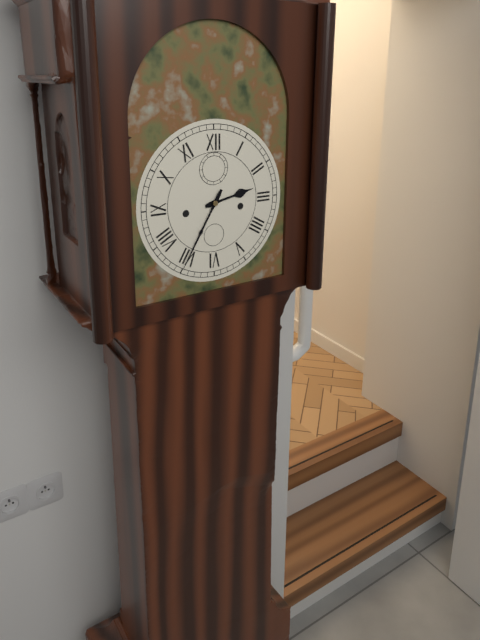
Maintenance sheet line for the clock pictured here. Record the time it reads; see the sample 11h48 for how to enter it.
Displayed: 2h35
